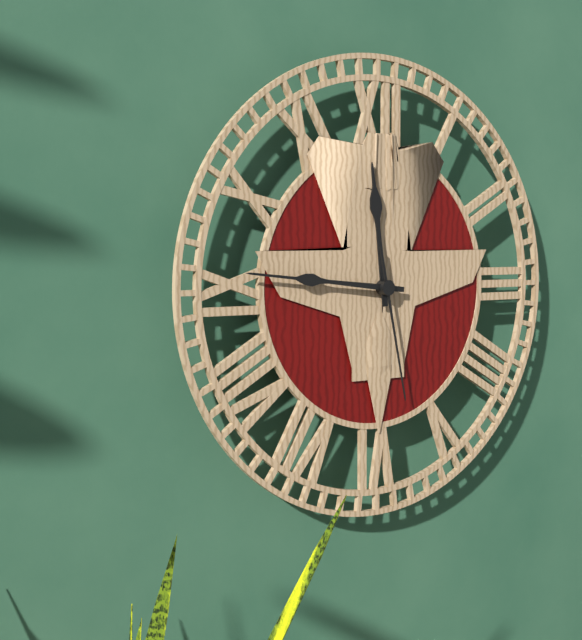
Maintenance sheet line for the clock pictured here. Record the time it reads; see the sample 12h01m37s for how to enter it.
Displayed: 11h46m28s
